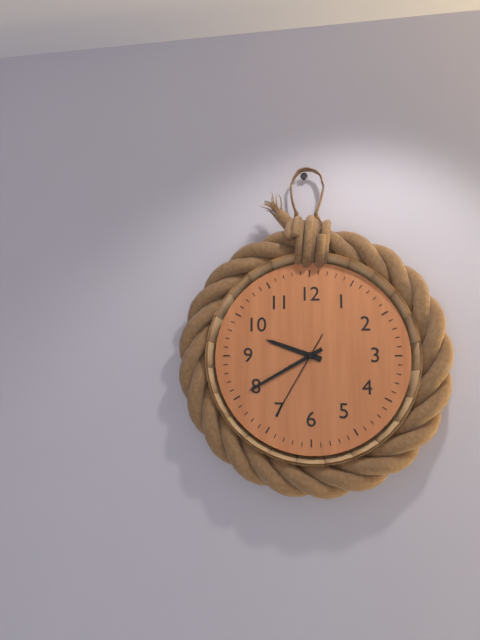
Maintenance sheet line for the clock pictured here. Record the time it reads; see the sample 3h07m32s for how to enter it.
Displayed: 9h40m35s
